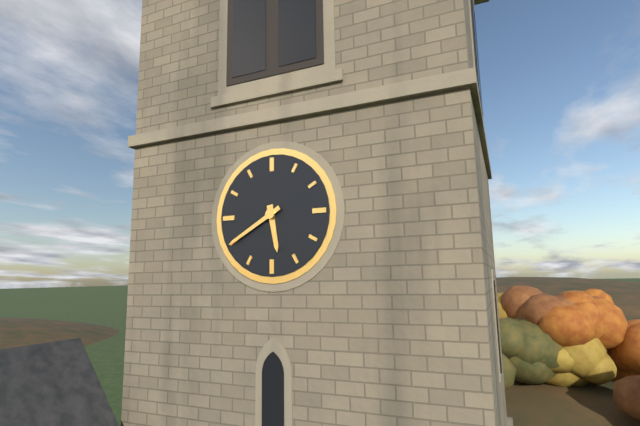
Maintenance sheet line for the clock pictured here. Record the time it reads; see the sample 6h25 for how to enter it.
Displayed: 5h40
